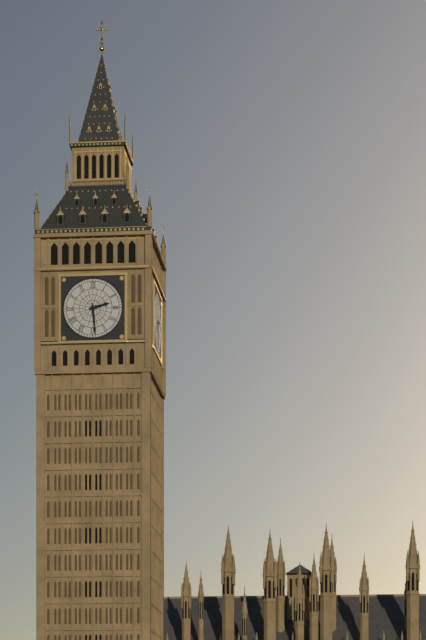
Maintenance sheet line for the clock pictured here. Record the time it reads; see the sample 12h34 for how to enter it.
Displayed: 2h29
